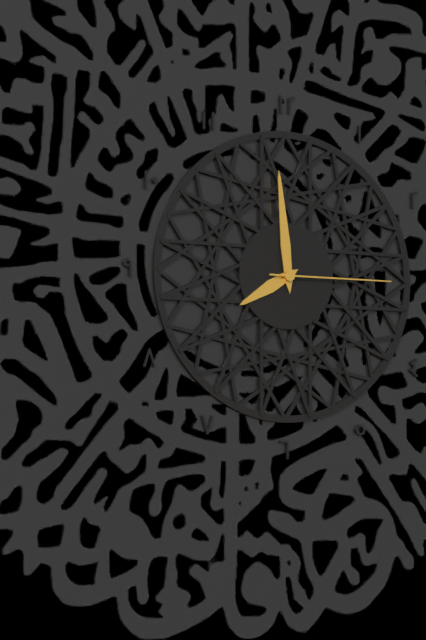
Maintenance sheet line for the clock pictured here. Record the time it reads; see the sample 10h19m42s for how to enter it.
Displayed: 7h59m15s
